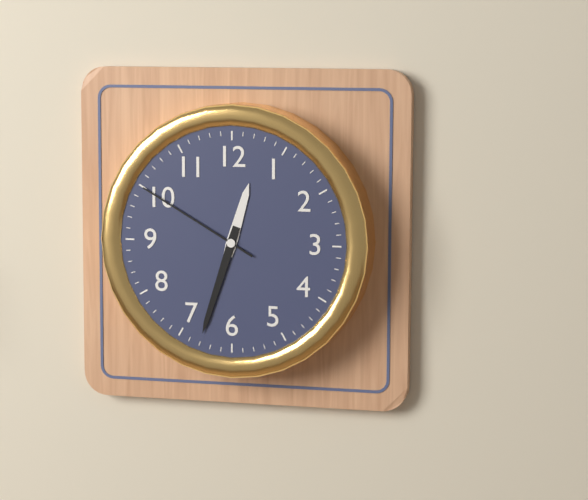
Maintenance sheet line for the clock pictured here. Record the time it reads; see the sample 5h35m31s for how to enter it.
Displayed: 12h33m50s
